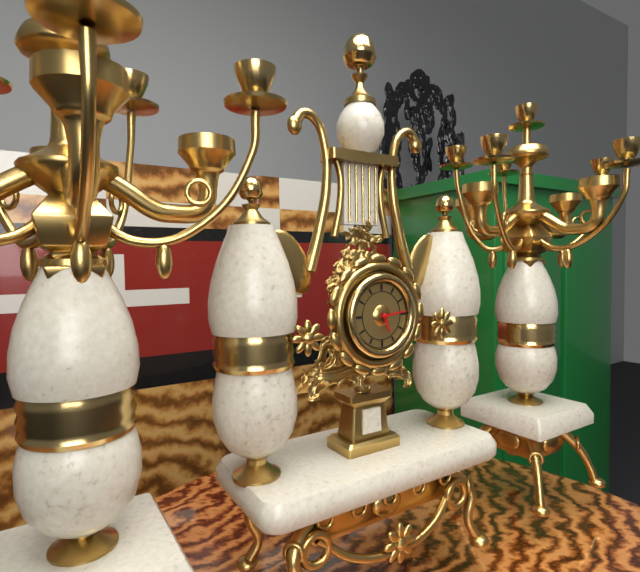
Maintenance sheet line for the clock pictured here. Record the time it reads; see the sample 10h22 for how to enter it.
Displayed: 5h14
